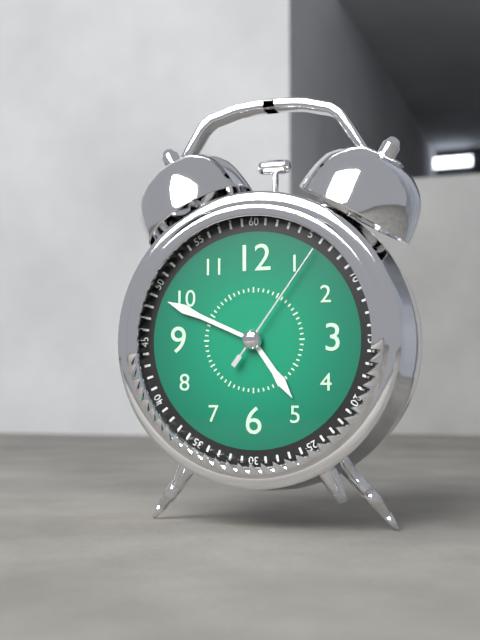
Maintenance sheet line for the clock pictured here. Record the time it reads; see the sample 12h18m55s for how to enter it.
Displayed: 4h49m06s
